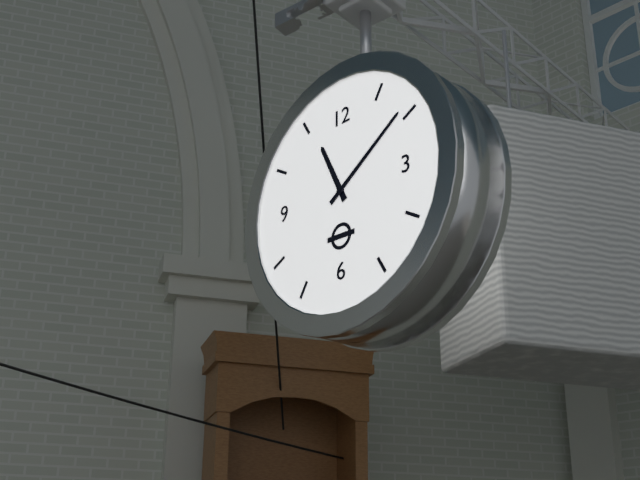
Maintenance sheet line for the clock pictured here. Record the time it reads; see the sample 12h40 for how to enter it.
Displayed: 11h09
